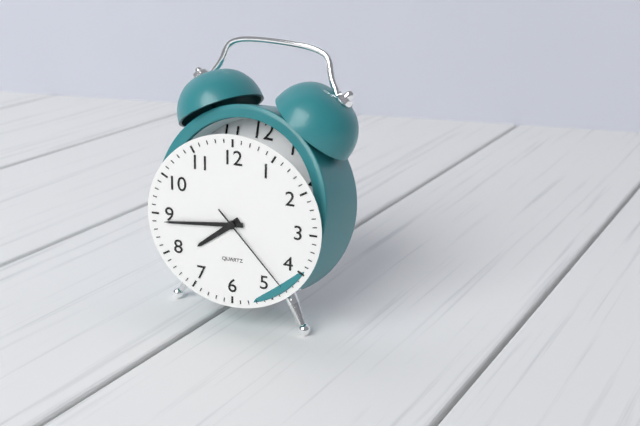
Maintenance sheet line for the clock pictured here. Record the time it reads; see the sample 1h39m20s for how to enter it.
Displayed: 7h44m23s
